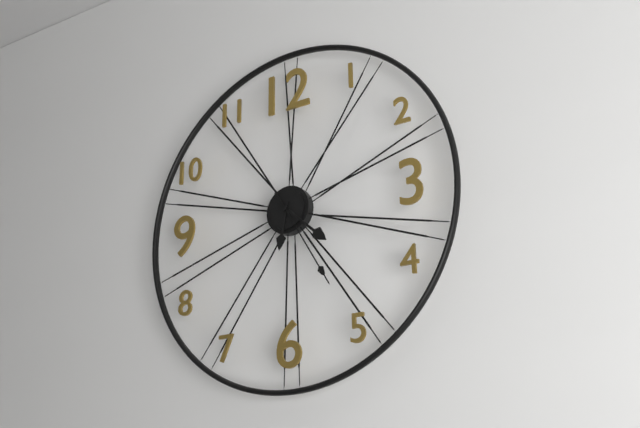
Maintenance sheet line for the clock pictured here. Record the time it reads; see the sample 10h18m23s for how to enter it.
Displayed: 6h22m25s
